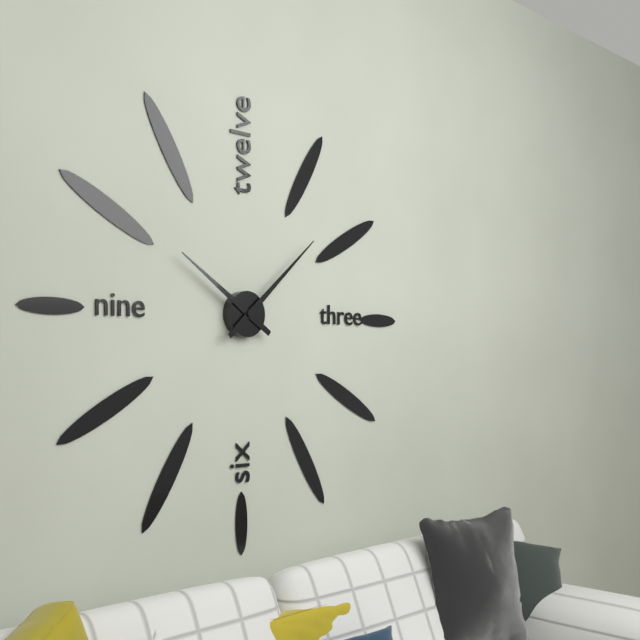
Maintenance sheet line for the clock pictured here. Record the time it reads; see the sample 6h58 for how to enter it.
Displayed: 10h08
